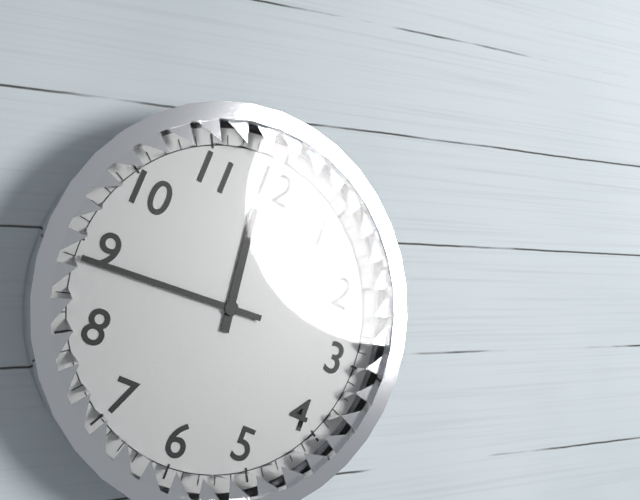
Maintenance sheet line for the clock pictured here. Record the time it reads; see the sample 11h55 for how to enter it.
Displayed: 11h44
